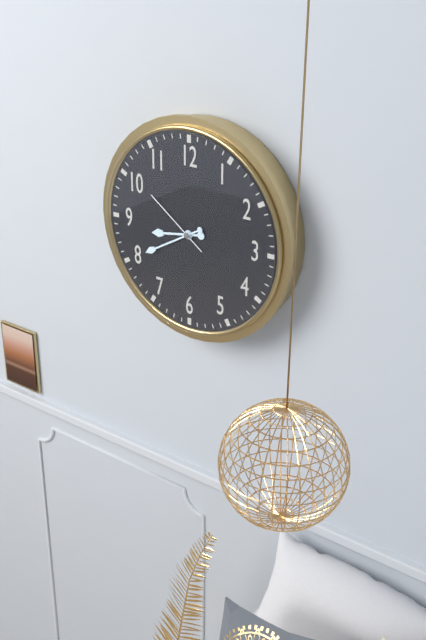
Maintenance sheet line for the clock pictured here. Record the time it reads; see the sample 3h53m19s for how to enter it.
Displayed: 8h40m51s
